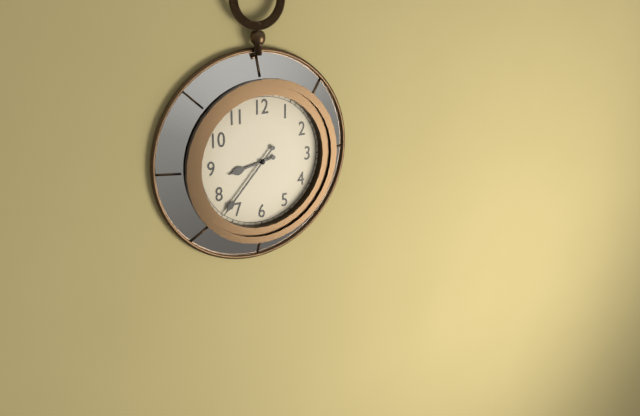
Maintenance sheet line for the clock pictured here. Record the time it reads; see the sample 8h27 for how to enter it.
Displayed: 8h37
